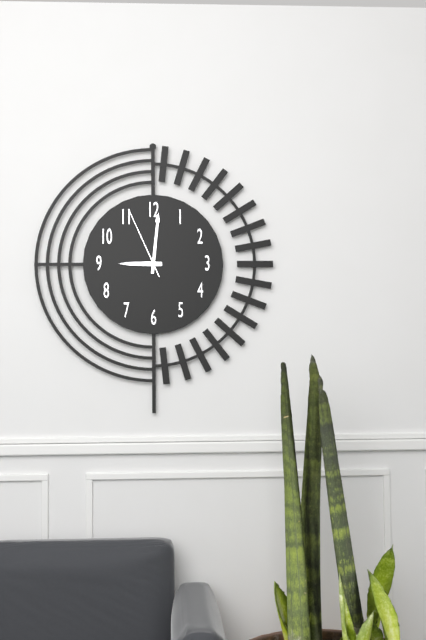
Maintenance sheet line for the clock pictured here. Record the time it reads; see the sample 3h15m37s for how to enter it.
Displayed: 9h01m56s
